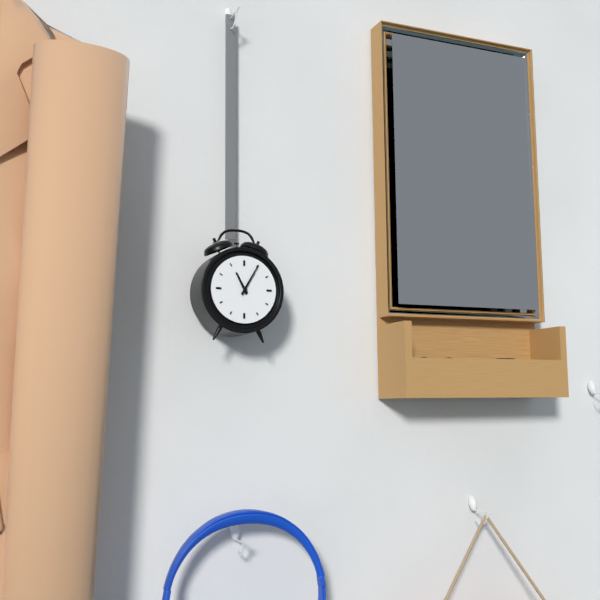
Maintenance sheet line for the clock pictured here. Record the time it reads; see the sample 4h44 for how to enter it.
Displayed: 11h05
